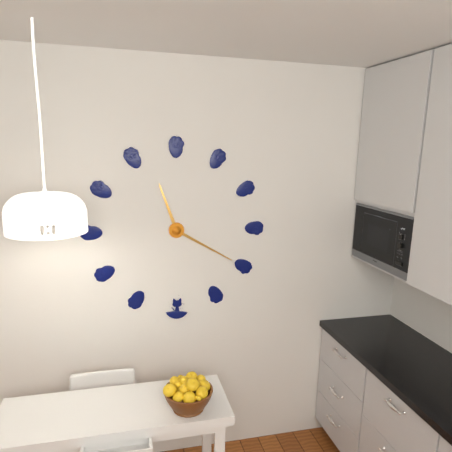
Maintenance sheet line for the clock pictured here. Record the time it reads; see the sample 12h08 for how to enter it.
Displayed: 11h20
